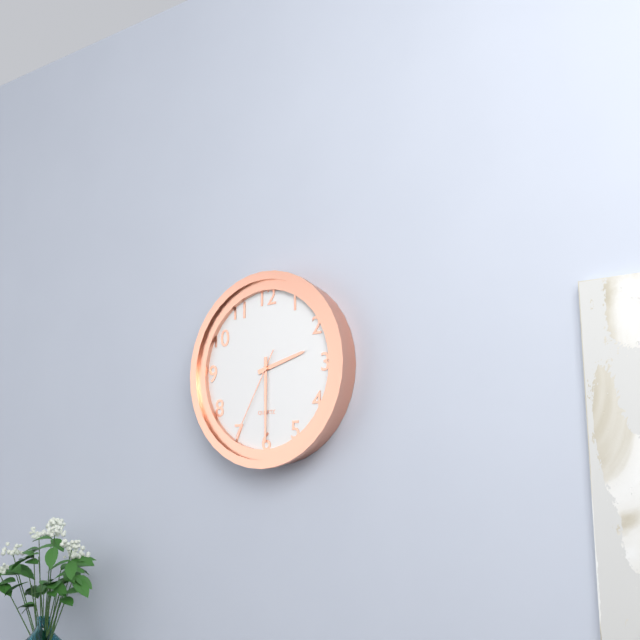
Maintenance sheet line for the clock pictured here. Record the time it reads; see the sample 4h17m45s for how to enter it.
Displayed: 2h30m35s
